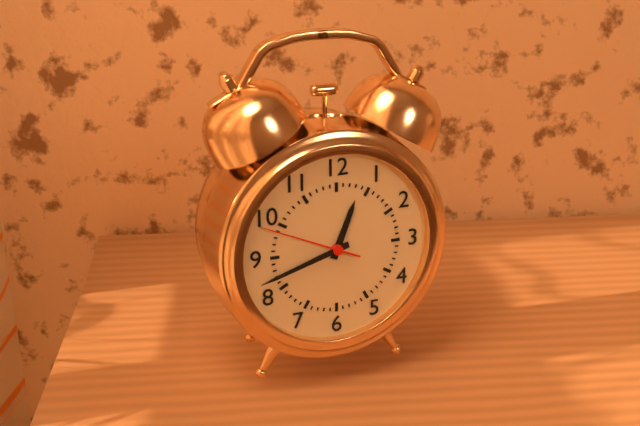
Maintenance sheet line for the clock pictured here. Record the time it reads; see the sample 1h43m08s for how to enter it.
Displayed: 12h42m49s
